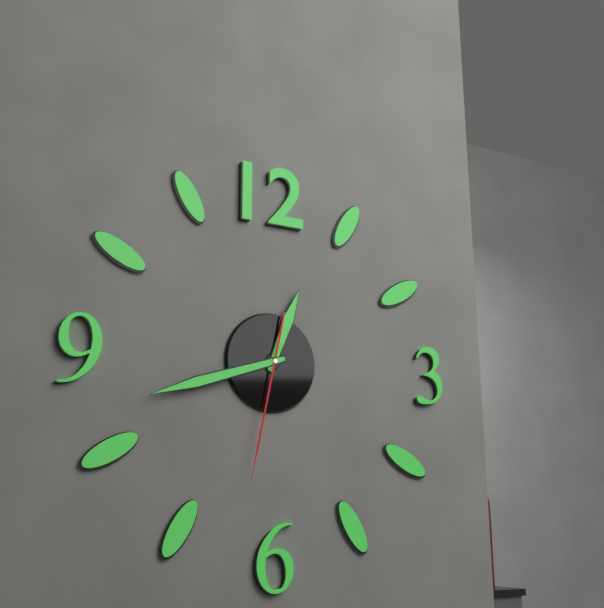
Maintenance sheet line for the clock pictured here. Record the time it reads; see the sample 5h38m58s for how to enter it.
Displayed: 12h42m32s
